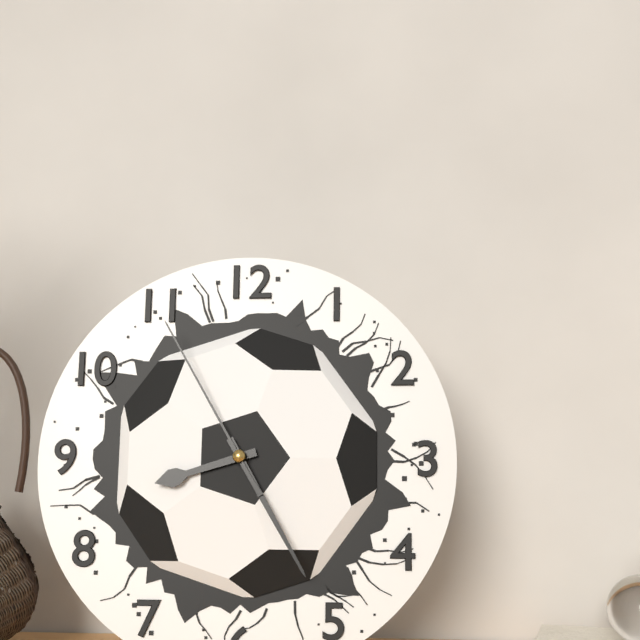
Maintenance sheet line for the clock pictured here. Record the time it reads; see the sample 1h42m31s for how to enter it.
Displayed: 8h25m55s
